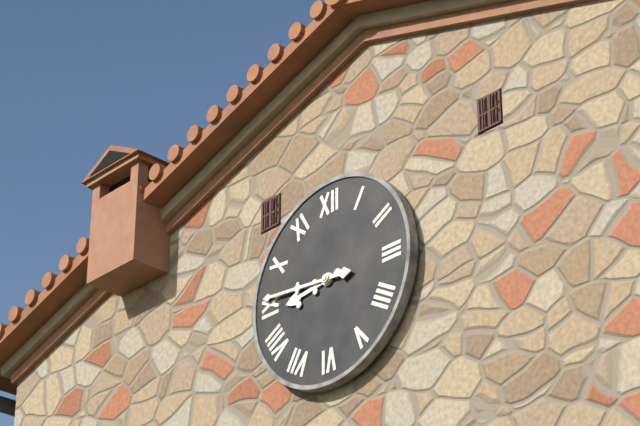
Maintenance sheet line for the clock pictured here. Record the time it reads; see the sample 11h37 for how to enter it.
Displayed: 8h46
